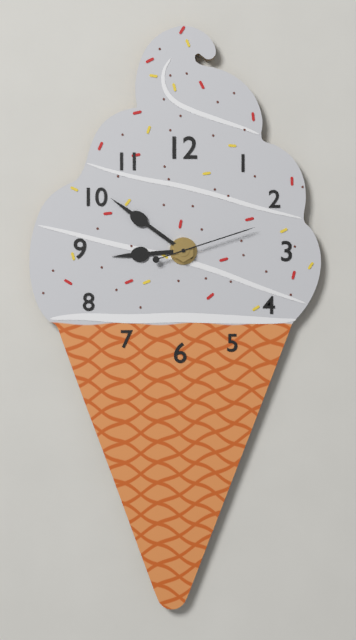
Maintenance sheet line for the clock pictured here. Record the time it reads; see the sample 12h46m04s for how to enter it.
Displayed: 8h51m12s
